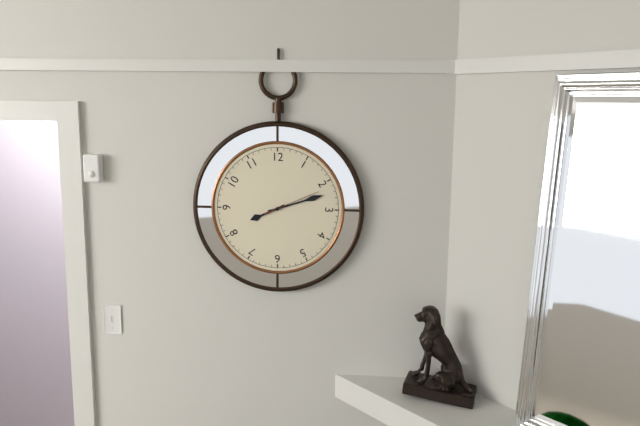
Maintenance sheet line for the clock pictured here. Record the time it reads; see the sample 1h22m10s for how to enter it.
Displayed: 8h12m11s
